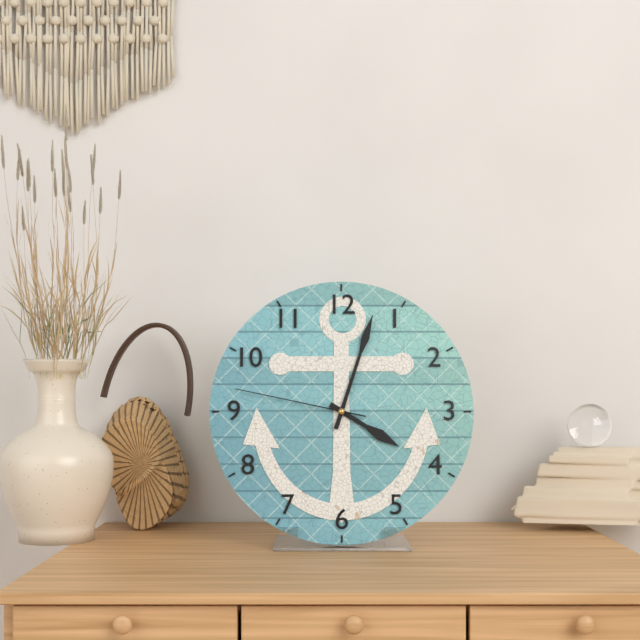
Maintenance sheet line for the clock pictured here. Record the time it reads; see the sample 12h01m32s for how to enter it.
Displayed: 4h03m47s
